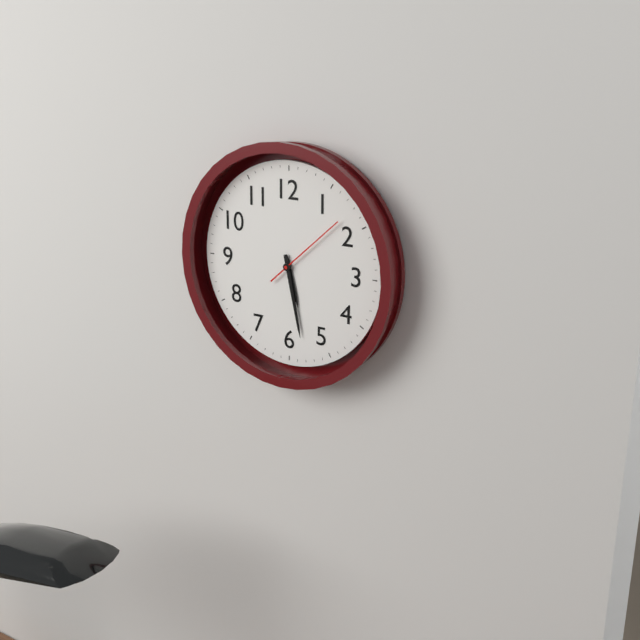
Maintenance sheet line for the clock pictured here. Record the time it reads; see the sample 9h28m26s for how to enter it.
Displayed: 5h28m08s
